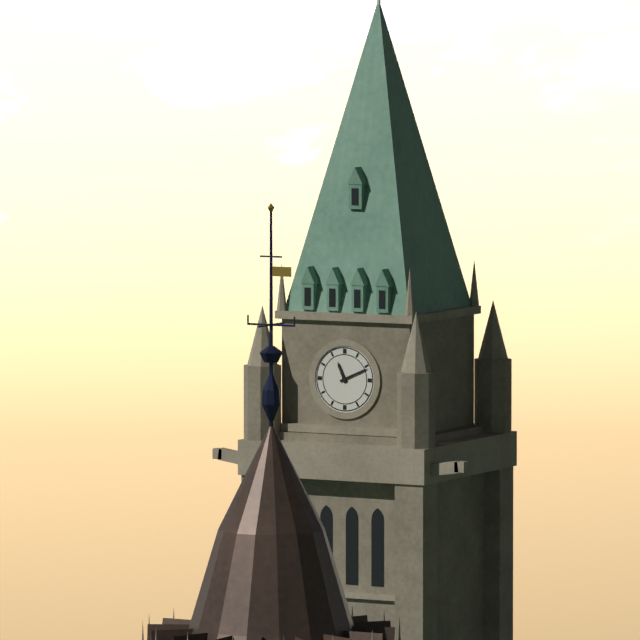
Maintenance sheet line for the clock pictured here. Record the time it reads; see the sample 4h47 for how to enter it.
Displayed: 11h11
